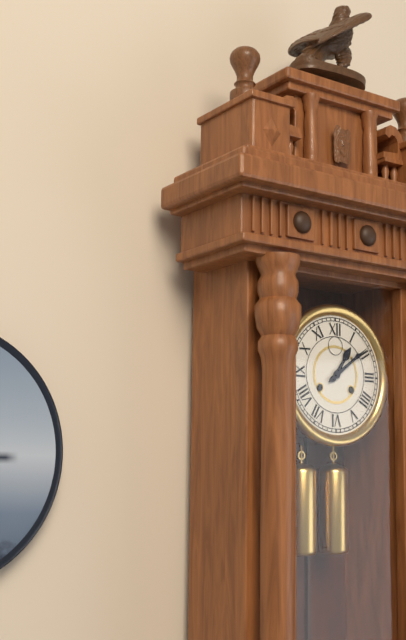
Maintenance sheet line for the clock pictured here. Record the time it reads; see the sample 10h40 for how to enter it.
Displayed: 1h09
